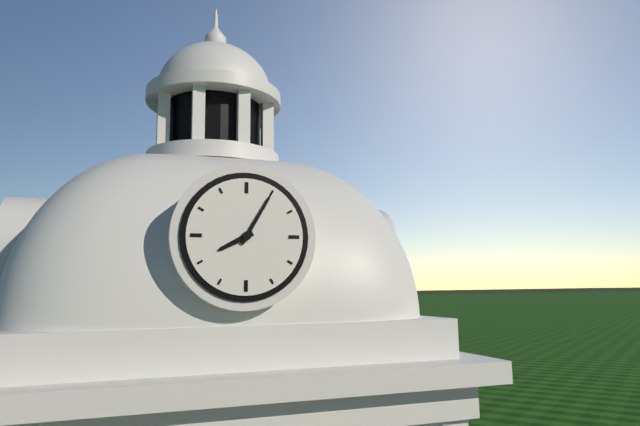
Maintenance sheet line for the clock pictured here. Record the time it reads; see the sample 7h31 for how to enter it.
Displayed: 8h05
